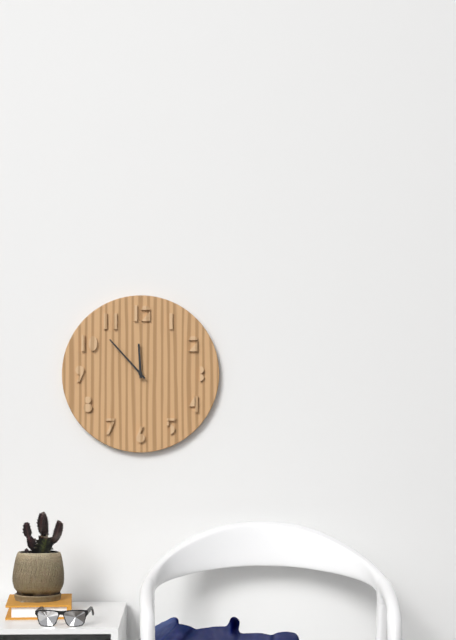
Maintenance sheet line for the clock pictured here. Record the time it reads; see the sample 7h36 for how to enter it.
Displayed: 11h53
